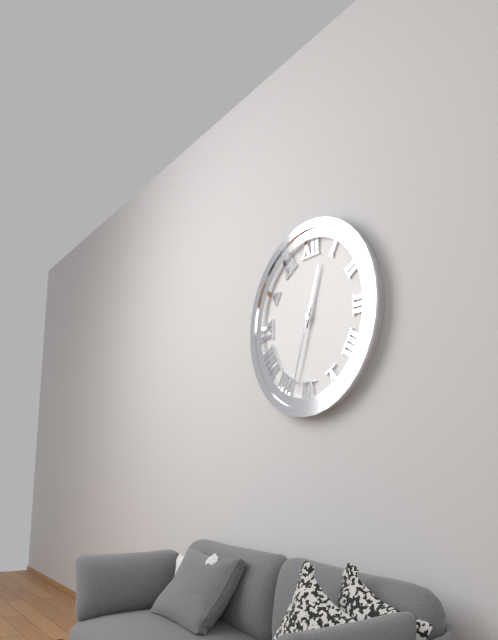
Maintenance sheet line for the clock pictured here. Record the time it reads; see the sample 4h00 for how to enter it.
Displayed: 12h33
